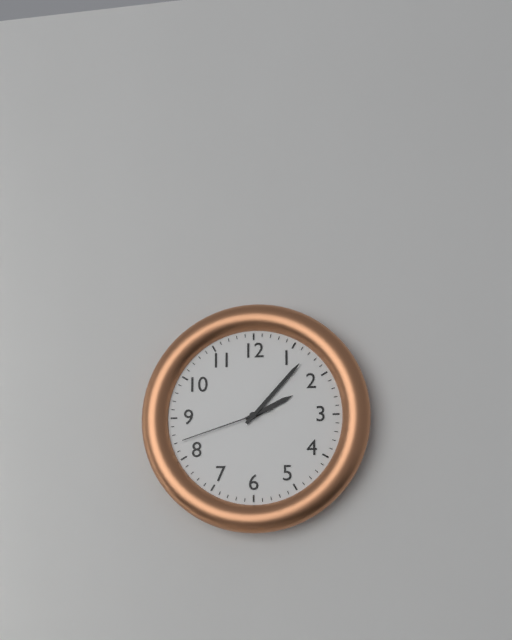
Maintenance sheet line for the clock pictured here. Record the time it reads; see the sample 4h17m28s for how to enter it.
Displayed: 2h07m42s
